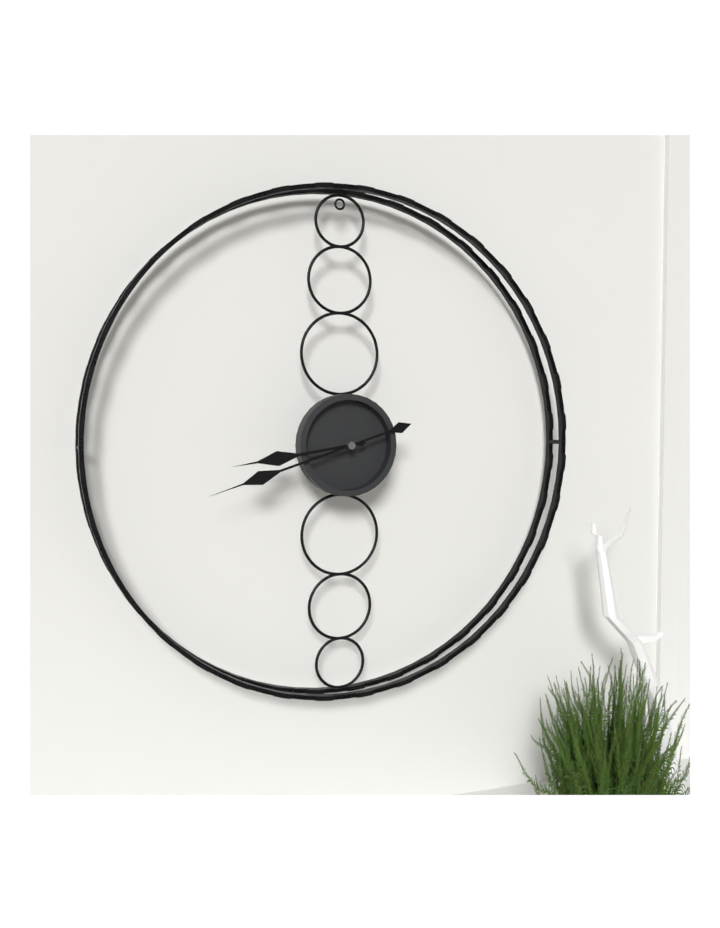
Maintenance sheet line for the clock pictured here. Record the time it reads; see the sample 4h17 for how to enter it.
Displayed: 8h42
